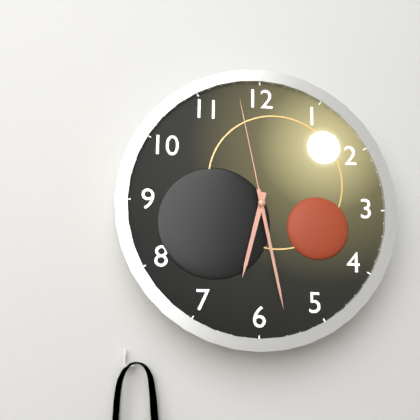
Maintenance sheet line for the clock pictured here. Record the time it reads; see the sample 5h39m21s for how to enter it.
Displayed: 6h28m58s
